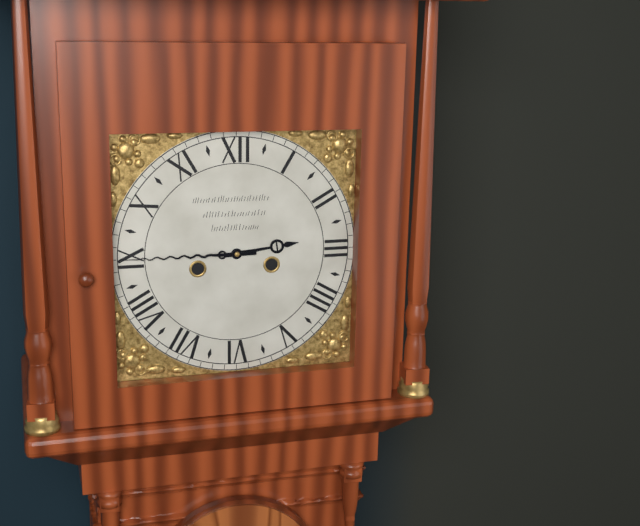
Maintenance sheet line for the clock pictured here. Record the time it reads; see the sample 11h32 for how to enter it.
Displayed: 2h45
